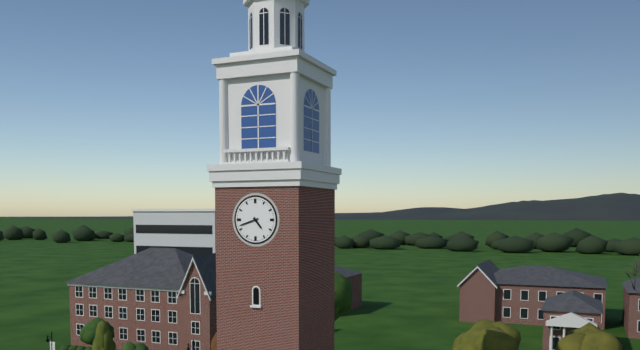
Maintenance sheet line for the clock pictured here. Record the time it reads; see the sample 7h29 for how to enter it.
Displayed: 4h42
